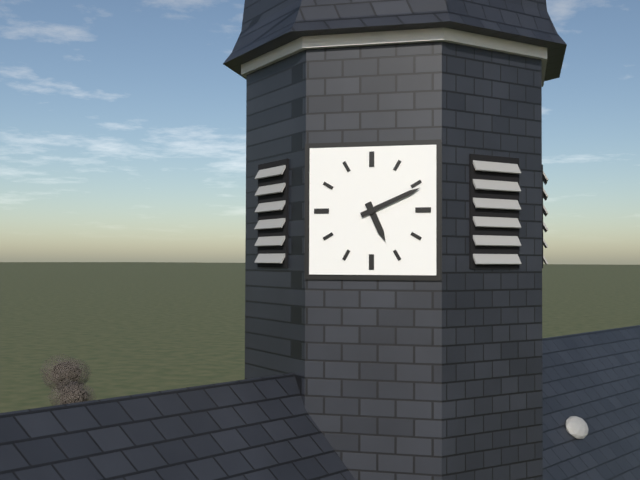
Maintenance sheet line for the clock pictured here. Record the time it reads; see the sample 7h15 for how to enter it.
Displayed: 5h11
